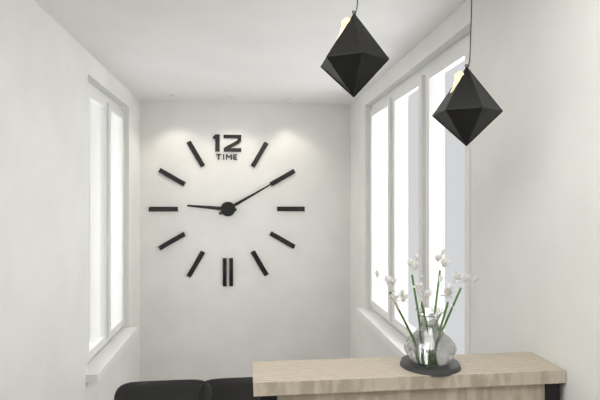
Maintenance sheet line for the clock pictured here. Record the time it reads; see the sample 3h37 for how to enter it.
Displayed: 9h10
